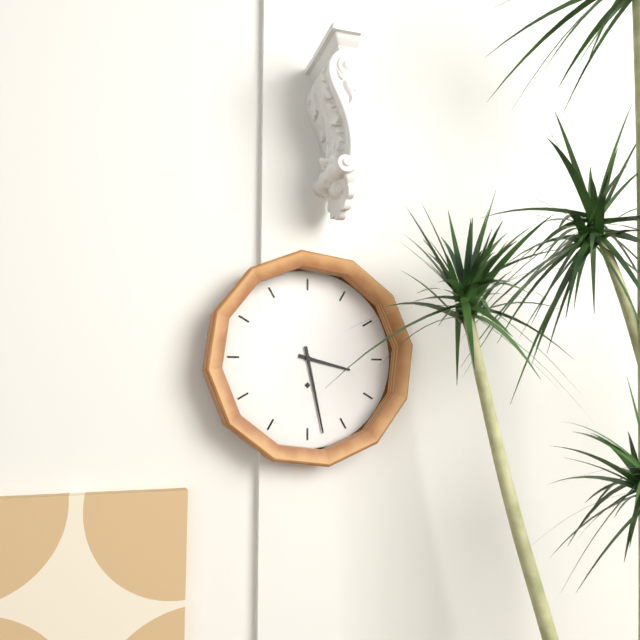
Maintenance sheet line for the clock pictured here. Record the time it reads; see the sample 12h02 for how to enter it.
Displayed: 3h28
